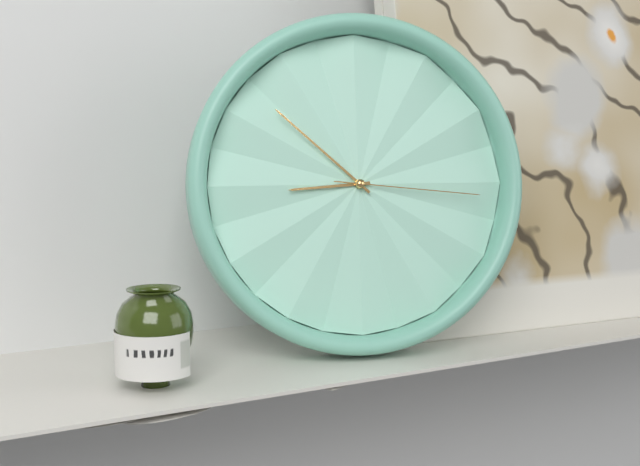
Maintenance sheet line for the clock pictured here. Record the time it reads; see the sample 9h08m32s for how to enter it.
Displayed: 8h52m16s
